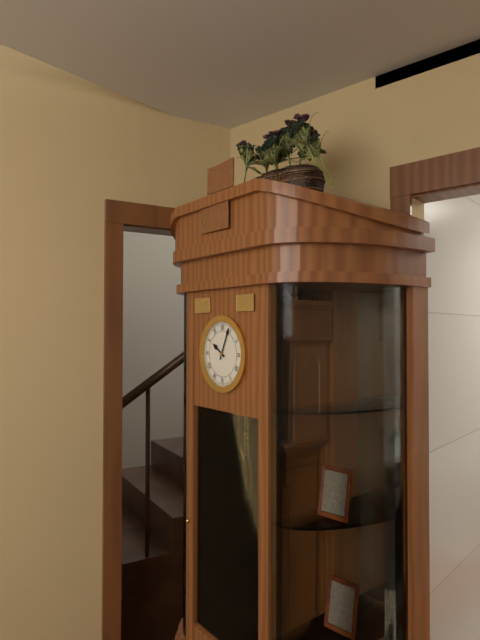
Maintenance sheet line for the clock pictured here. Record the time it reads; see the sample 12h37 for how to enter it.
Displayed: 10h04
